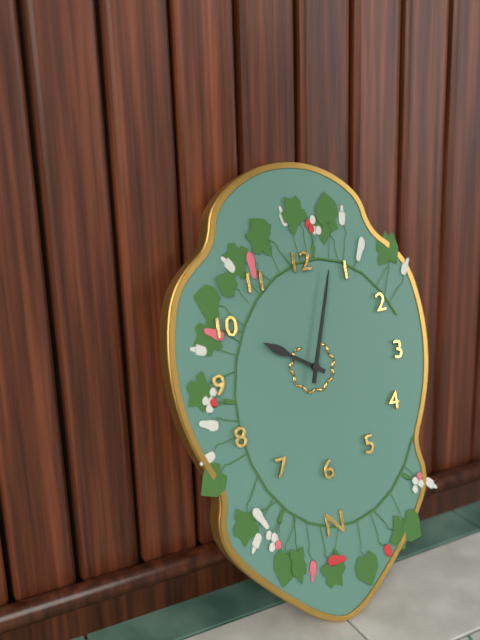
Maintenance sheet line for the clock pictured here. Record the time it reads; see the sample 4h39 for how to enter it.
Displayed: 10h03
